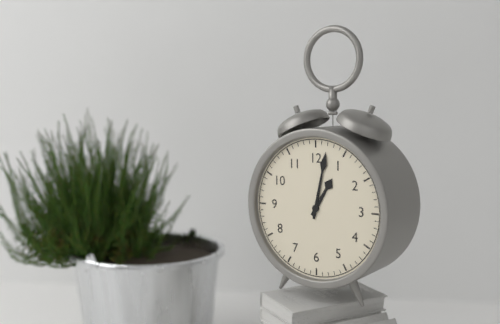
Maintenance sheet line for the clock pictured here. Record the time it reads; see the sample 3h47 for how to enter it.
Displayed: 1h02
